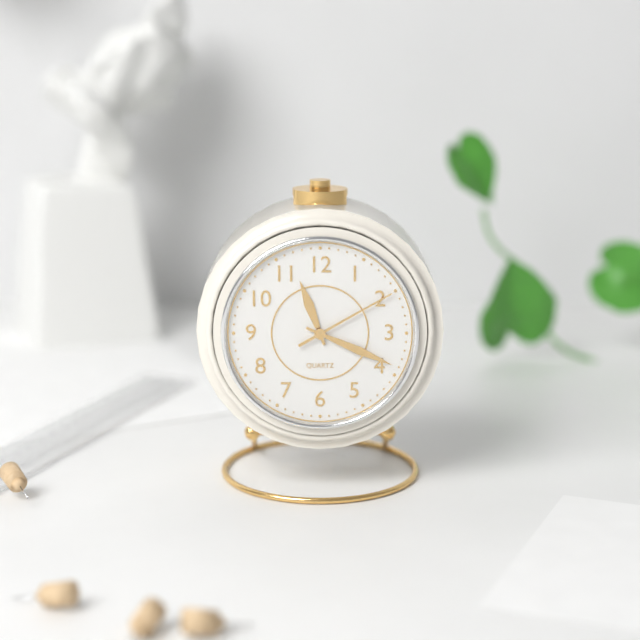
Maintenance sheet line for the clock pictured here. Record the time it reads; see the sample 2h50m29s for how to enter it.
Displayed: 11h19m10s
